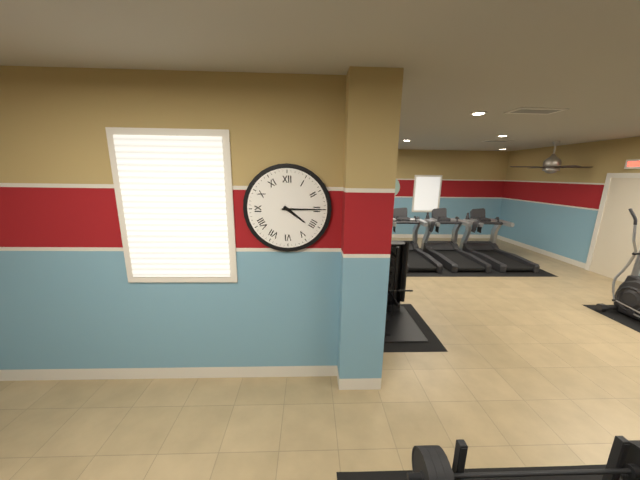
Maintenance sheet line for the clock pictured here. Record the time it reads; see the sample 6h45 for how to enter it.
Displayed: 4h15
